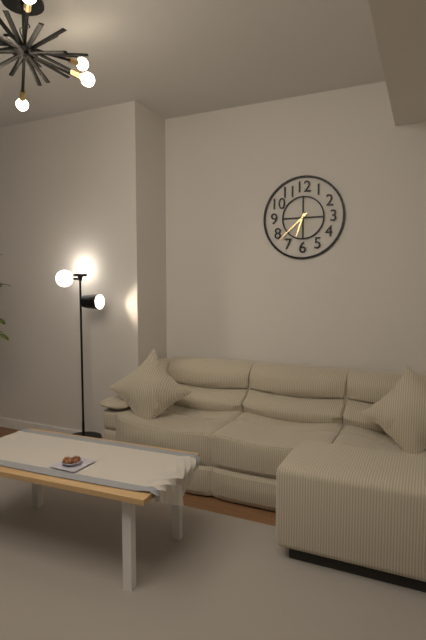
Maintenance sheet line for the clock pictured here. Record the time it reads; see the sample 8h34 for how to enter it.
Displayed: 6h38
